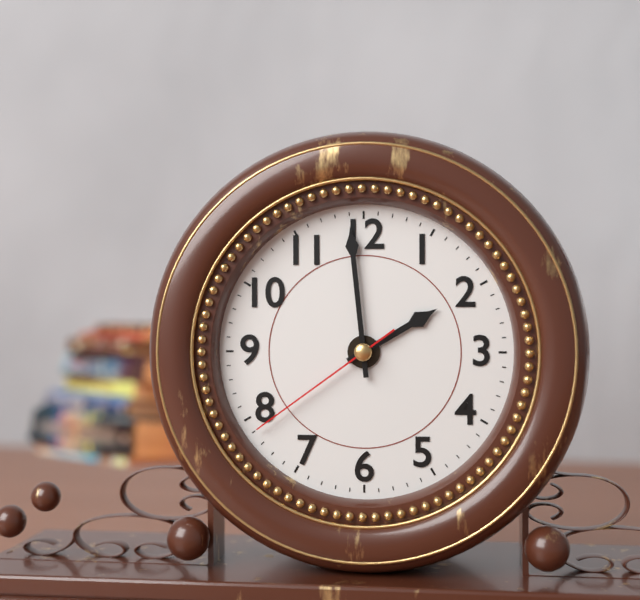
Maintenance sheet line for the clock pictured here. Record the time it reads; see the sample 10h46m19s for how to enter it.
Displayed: 1h59m39s
